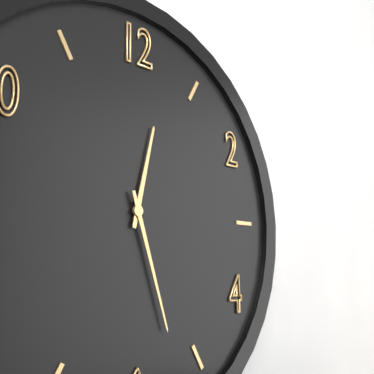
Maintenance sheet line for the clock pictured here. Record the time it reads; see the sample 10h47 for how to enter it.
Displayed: 12h27
